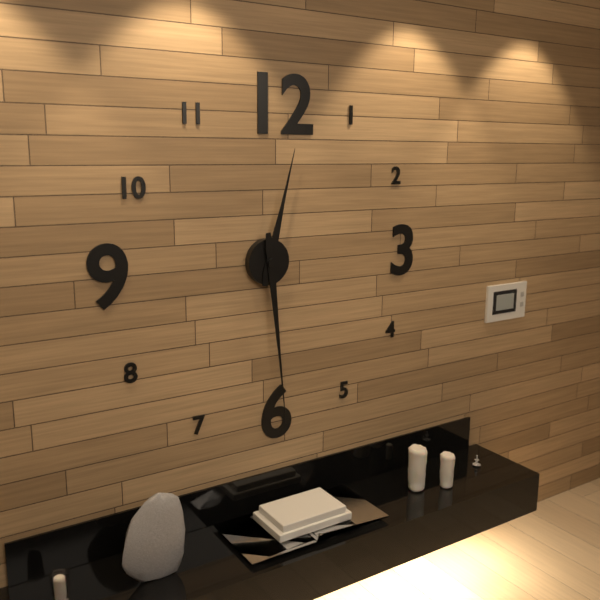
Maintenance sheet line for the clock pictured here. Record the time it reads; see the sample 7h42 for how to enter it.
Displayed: 12h29
